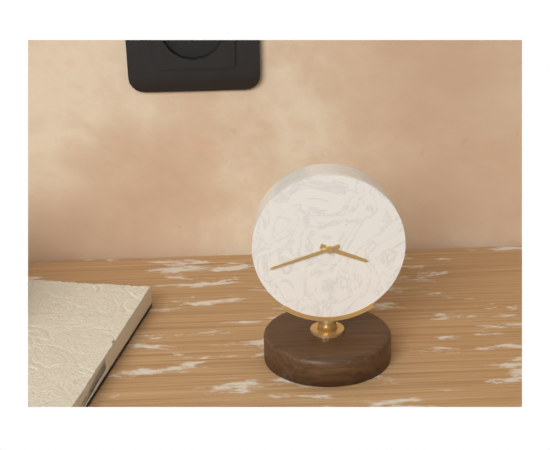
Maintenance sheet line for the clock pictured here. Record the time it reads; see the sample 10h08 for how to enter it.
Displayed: 3h42
